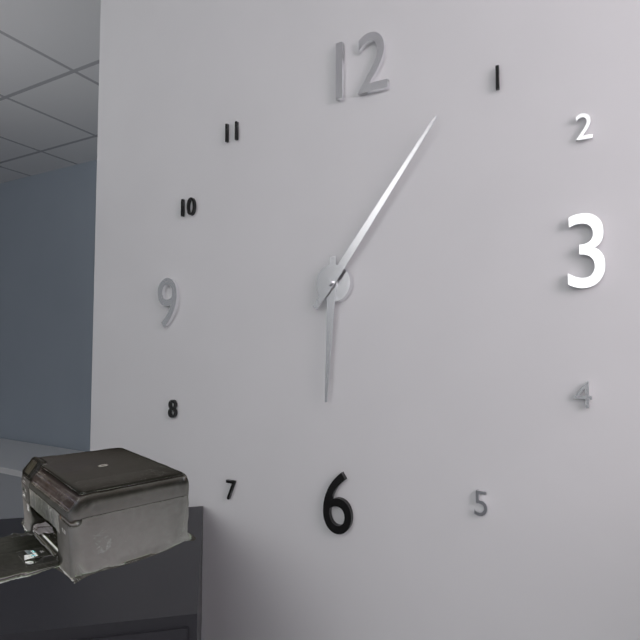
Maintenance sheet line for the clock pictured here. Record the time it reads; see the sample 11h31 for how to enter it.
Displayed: 6h06
